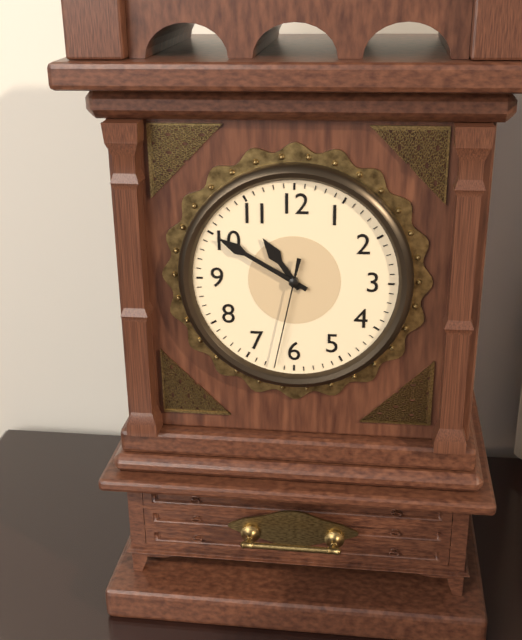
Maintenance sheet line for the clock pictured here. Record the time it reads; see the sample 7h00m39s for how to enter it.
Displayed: 10h50m32s
